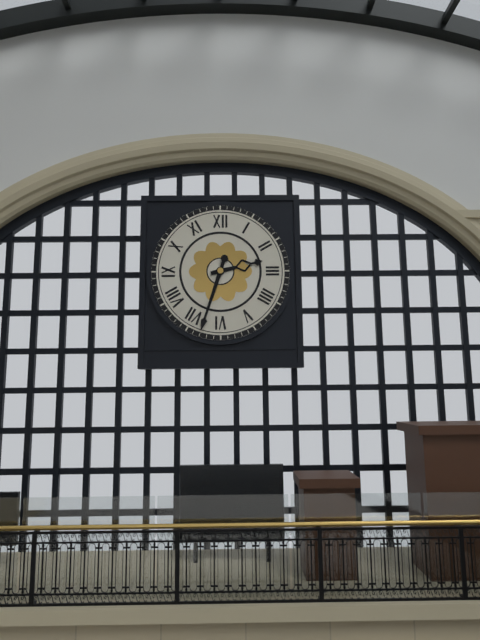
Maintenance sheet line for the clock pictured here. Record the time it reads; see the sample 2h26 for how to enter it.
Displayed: 2h33
